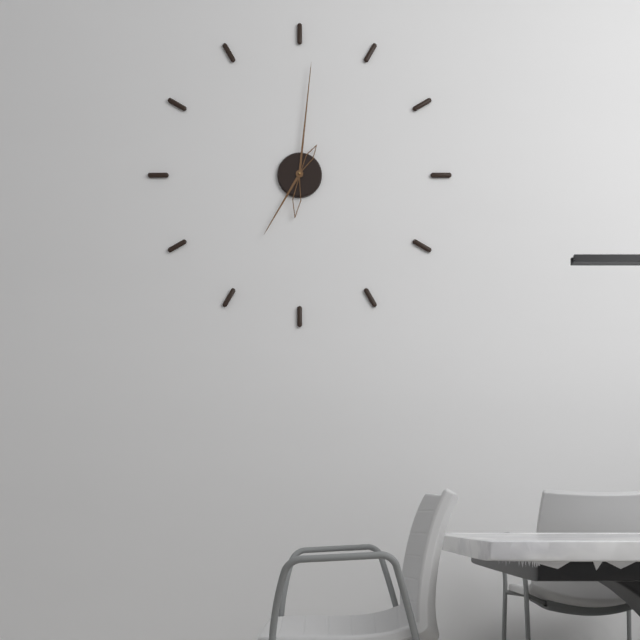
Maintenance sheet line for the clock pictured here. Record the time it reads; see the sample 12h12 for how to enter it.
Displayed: 7h01
